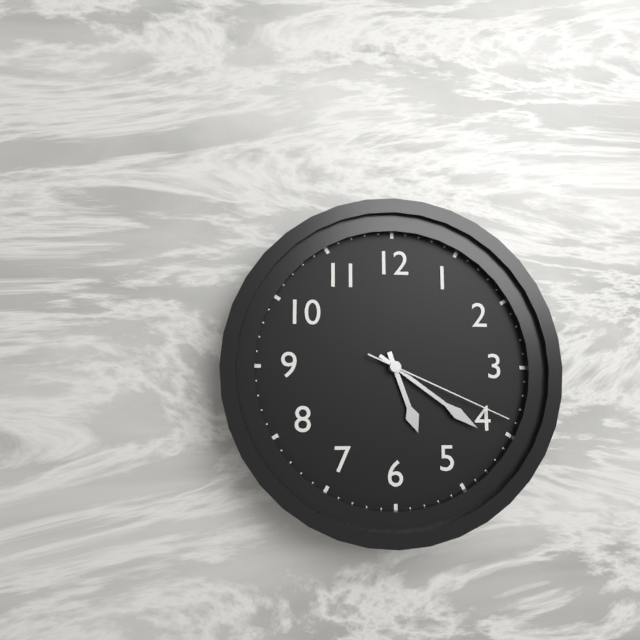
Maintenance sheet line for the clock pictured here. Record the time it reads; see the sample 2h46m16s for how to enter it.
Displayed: 5h21m19s
